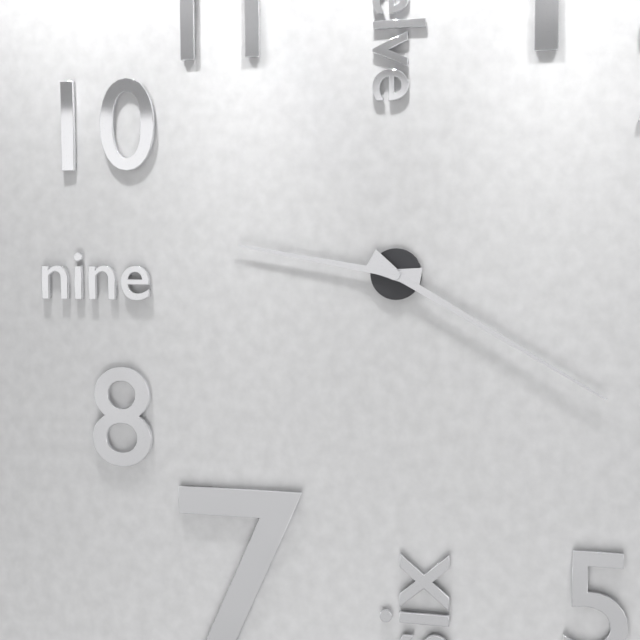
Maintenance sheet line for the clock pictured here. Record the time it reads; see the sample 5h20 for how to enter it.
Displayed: 9h20
